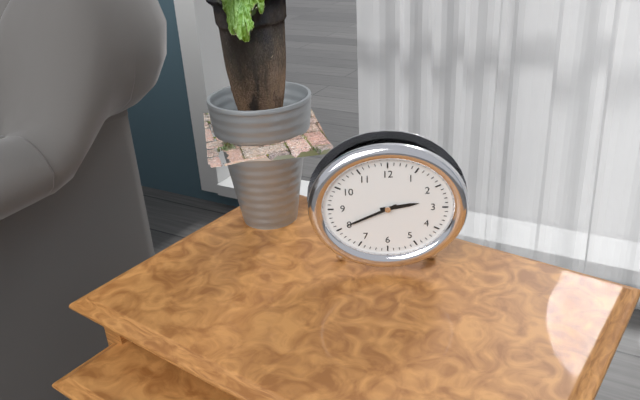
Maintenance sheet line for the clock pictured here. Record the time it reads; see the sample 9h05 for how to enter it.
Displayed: 2h41
